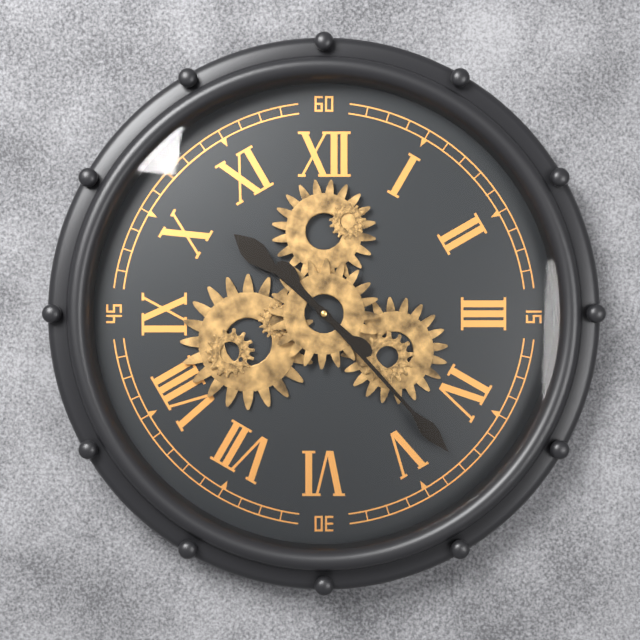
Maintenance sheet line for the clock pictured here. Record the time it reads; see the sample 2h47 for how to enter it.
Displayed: 10h23
